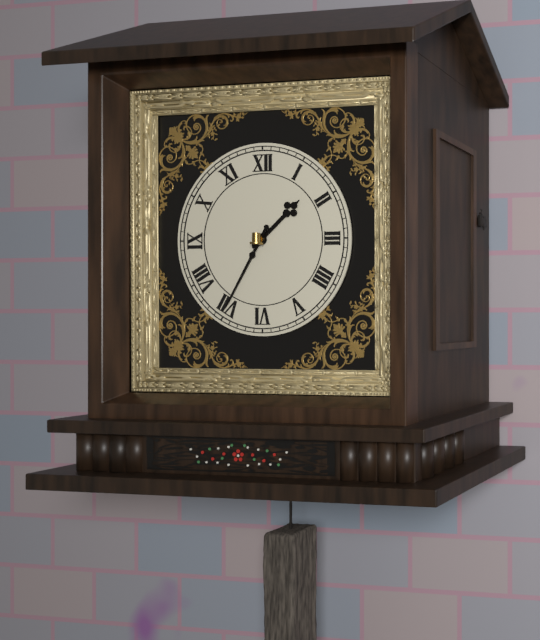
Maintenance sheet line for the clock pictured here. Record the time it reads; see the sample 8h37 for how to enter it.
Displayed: 1h35
